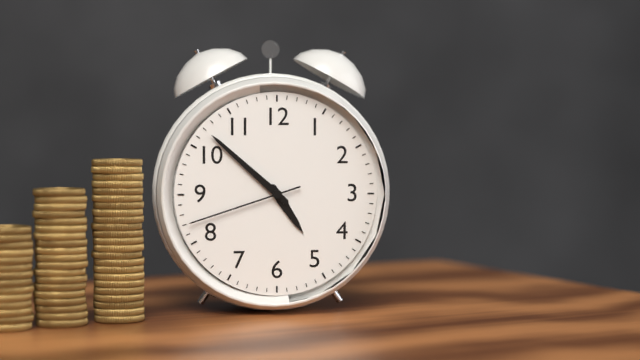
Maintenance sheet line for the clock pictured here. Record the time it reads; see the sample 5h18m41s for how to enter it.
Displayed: 4h52m42s
